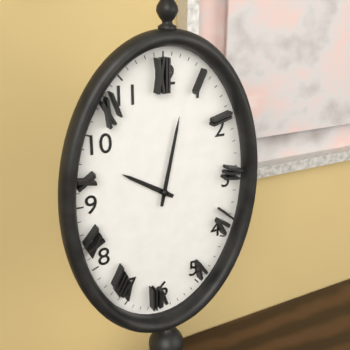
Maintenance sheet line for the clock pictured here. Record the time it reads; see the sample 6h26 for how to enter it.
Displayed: 10h02
